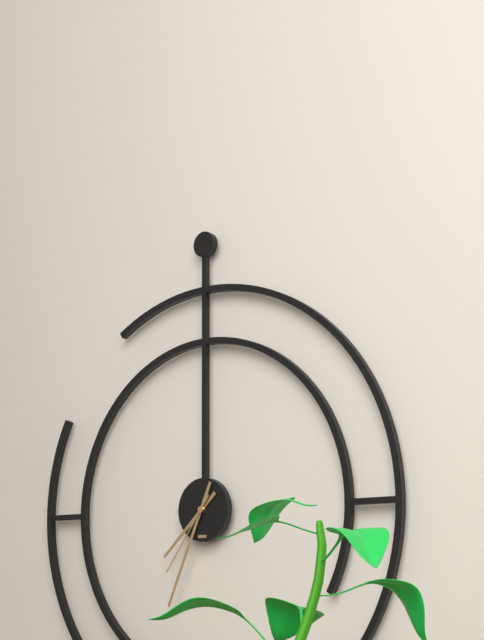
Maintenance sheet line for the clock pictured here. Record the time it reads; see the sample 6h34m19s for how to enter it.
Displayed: 7h34m36s
